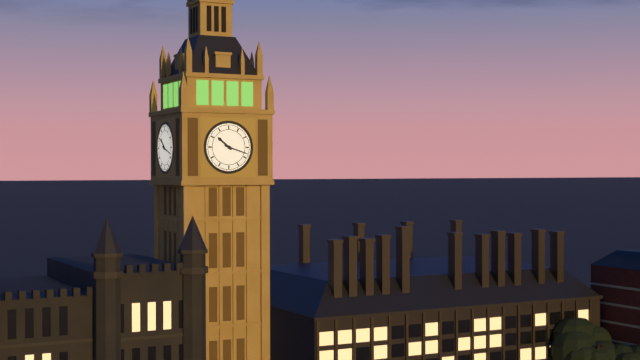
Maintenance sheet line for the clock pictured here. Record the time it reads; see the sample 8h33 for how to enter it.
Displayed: 10h18
